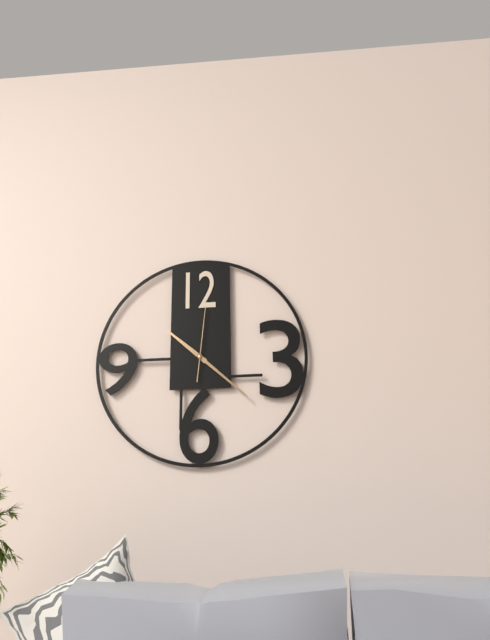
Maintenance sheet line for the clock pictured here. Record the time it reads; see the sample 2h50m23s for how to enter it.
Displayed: 10h22m01s
